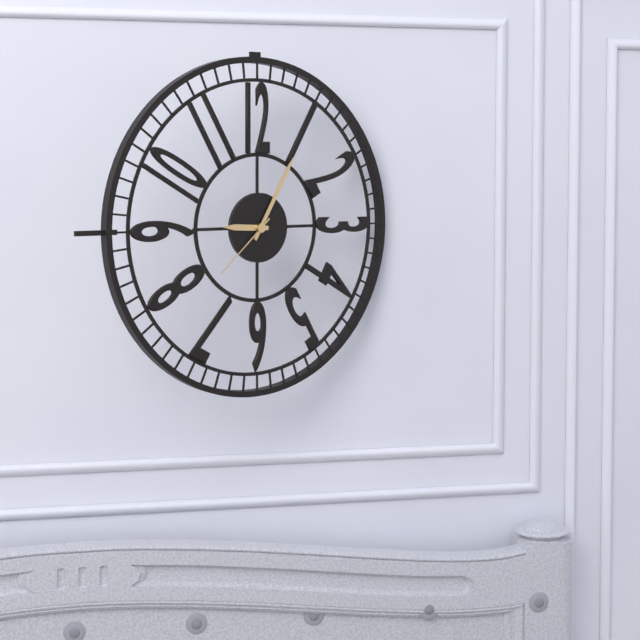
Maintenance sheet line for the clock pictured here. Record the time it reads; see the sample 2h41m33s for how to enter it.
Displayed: 9h05m38s
